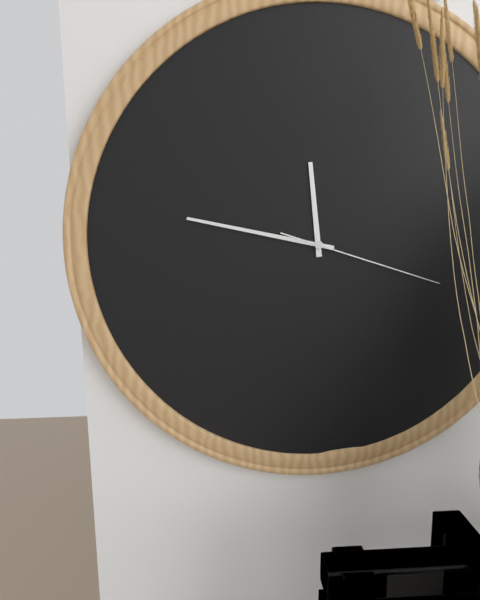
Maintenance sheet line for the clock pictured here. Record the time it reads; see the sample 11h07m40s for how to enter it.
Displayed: 11h47m18s
